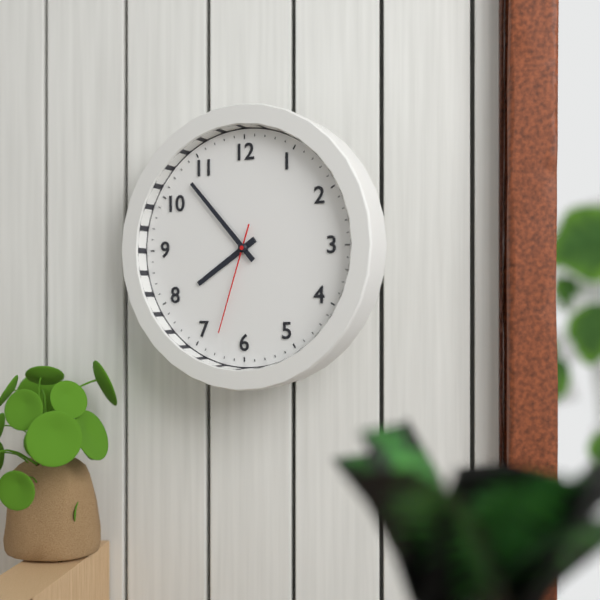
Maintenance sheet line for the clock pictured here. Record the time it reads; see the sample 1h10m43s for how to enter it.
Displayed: 7h53m33s
